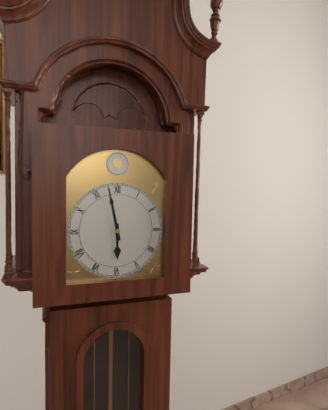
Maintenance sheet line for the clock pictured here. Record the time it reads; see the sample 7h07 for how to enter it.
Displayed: 5h58
